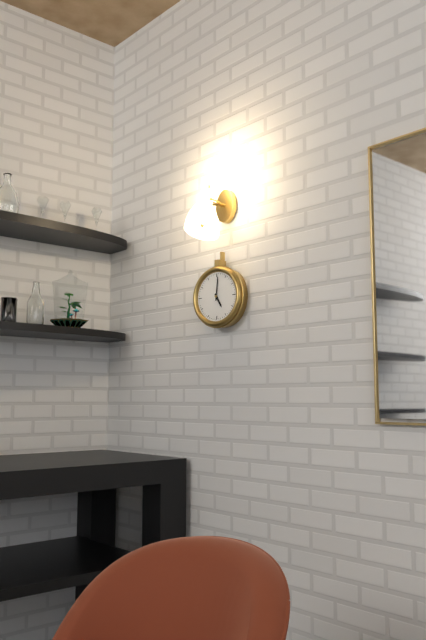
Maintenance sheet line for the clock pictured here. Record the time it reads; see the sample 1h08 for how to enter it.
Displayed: 5h01
